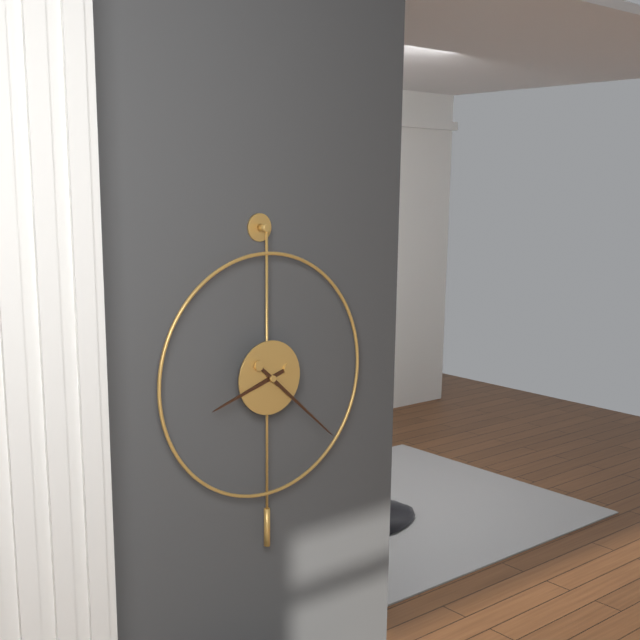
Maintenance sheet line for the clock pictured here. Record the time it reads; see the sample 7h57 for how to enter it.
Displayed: 8h22
